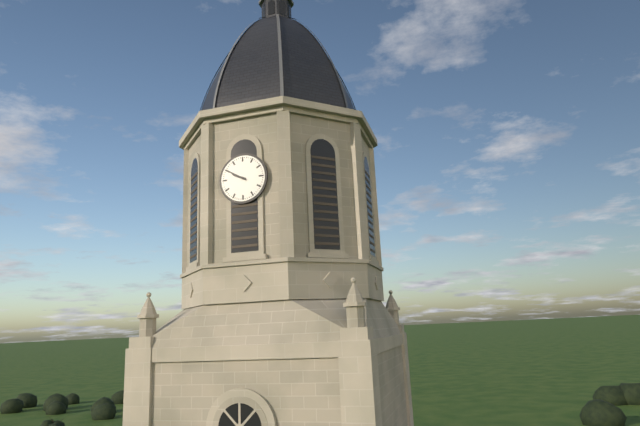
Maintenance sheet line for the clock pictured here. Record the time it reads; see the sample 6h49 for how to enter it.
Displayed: 9h50
